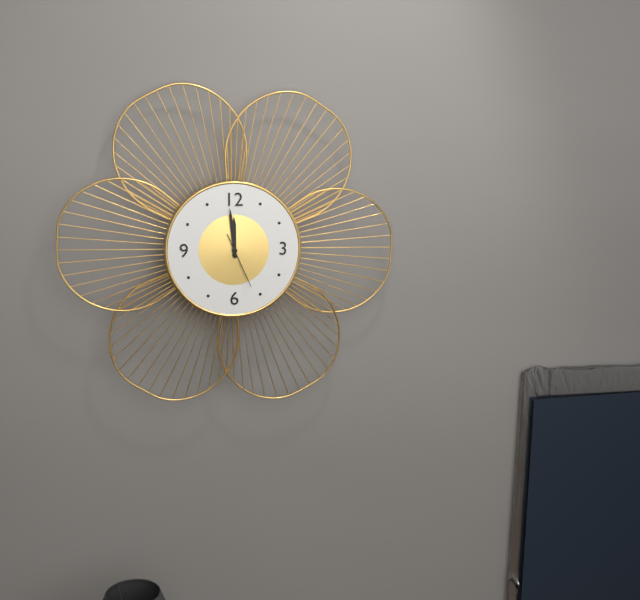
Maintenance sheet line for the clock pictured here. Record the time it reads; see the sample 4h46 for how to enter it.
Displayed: 11h59
